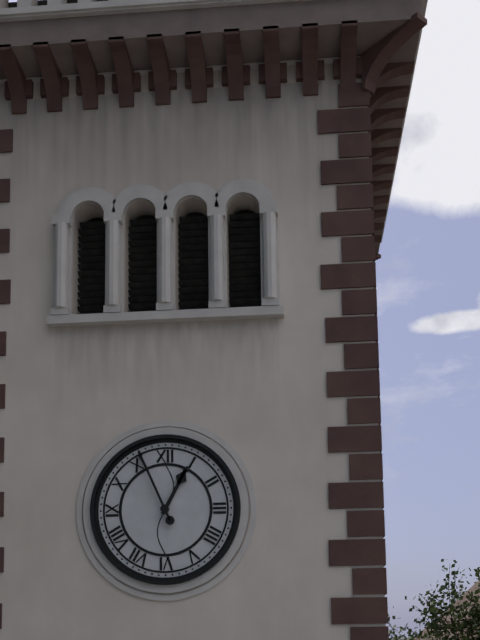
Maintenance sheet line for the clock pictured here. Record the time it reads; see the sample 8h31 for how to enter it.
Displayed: 12h56
